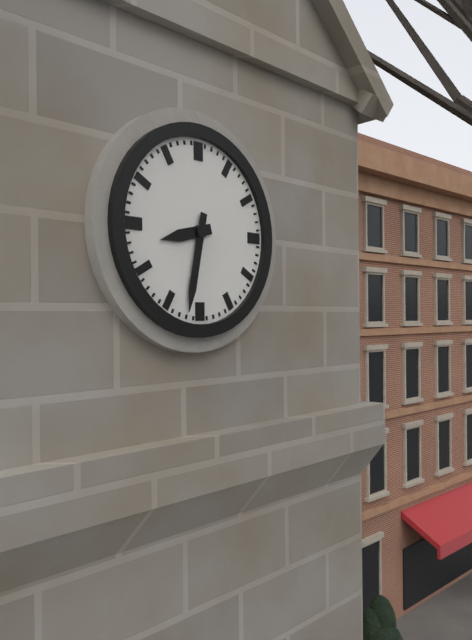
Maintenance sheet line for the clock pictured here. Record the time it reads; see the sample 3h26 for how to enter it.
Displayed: 8h32
